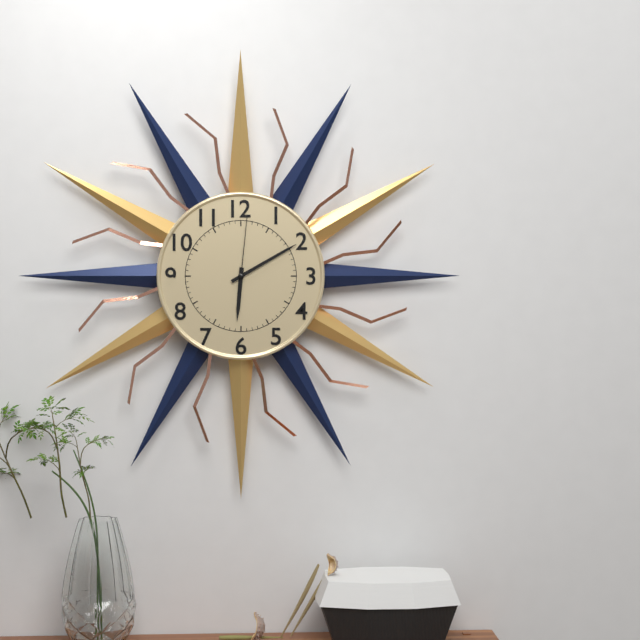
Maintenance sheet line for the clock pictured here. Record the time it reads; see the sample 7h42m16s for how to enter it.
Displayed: 6h10m01s
